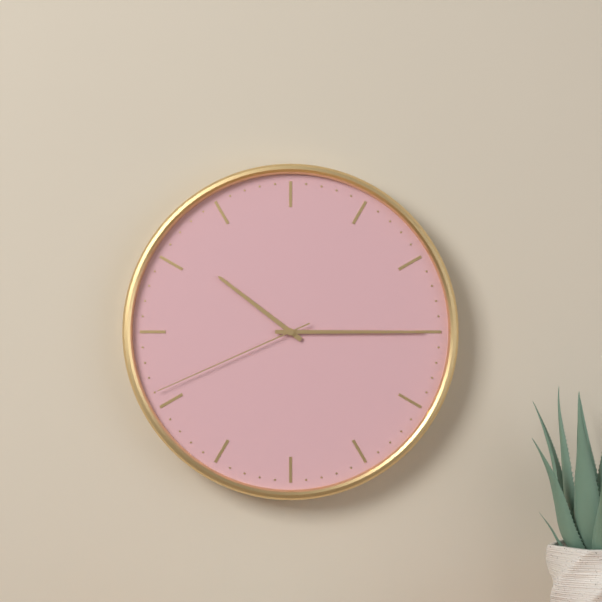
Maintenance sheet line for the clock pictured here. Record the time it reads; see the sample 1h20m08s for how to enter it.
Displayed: 10h15m41s
